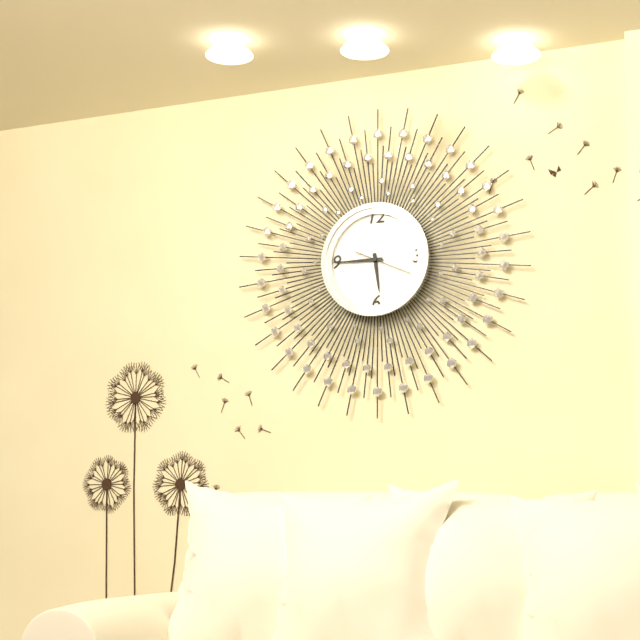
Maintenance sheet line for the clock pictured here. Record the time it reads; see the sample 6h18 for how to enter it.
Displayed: 5h45
